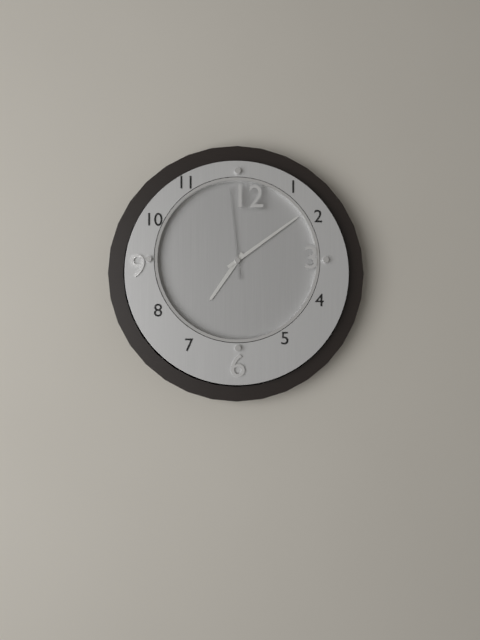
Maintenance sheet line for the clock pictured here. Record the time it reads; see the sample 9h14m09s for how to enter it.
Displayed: 7h09m59s
